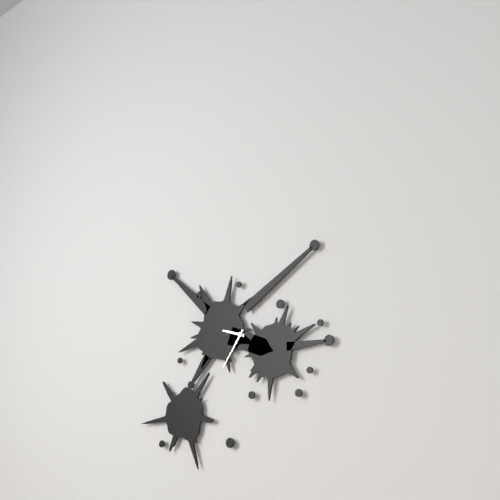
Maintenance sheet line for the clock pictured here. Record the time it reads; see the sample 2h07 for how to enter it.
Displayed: 9h36
